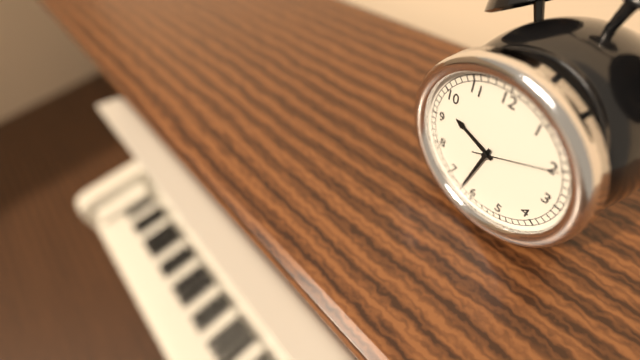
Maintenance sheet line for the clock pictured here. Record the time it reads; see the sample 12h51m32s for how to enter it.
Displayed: 9h32m10s
